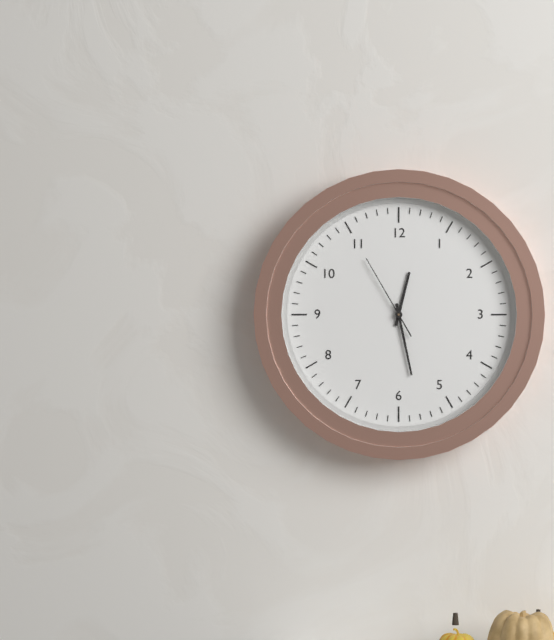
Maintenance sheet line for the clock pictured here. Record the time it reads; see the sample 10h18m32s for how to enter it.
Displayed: 12h28m55s
